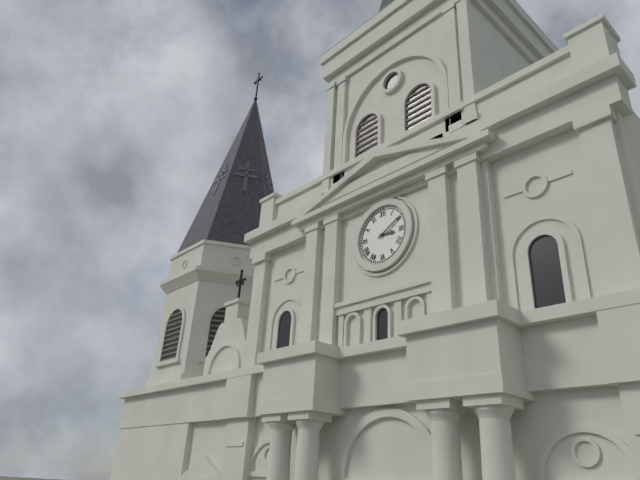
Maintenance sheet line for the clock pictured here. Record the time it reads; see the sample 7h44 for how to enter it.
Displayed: 3h10
